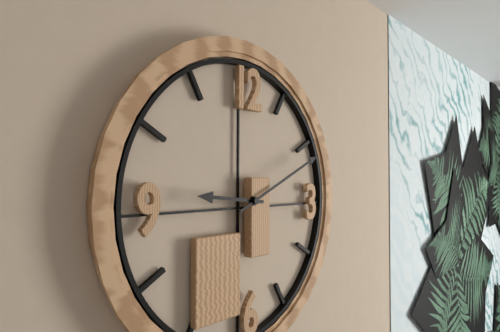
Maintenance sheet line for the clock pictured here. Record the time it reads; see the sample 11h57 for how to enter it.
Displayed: 9h11
